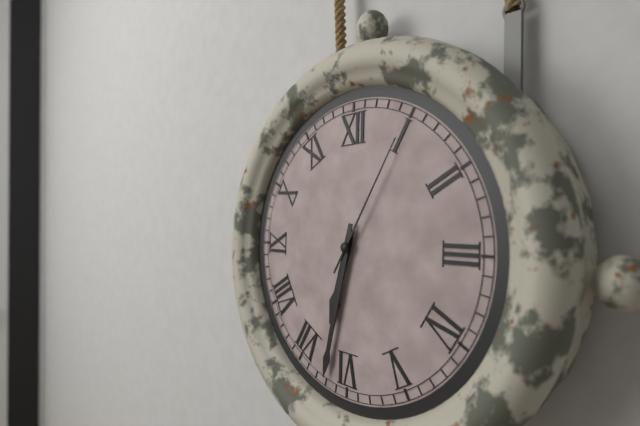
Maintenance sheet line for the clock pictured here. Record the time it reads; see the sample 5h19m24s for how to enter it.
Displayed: 6h32m05s
